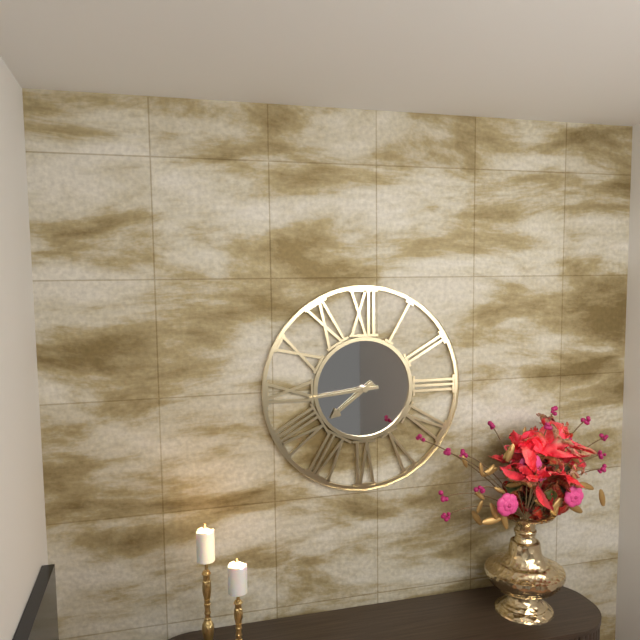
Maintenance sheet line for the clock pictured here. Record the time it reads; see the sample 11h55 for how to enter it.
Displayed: 7h44
